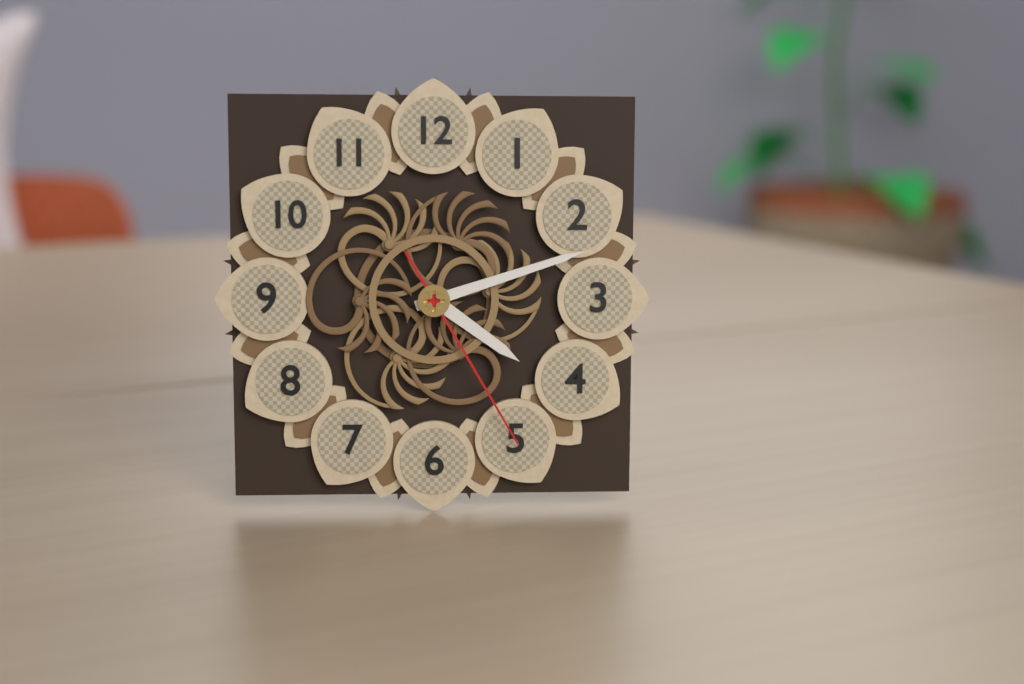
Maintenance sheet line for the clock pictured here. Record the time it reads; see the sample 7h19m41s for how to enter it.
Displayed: 4h12m25s
